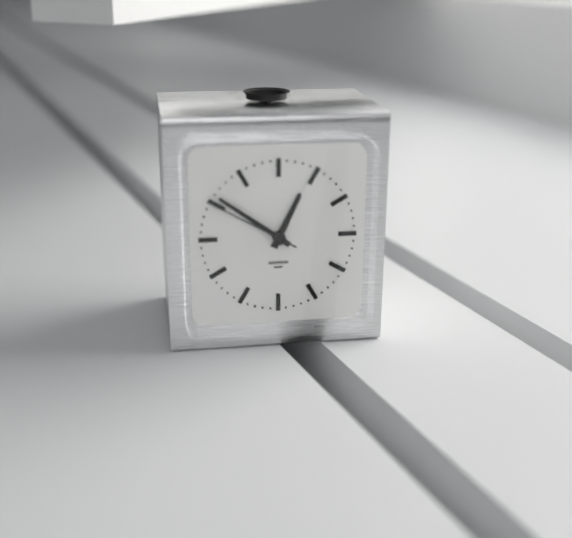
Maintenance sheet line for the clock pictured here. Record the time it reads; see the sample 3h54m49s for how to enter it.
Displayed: 12h51m50s
